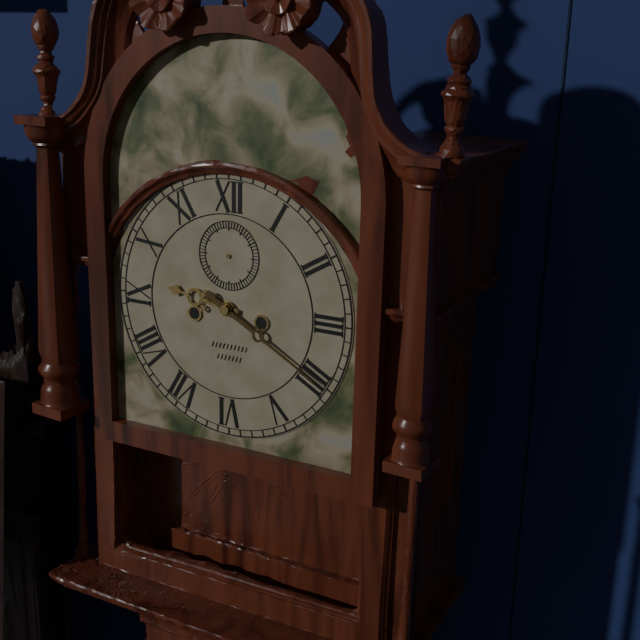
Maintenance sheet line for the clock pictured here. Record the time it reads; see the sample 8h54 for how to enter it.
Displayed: 9h20
